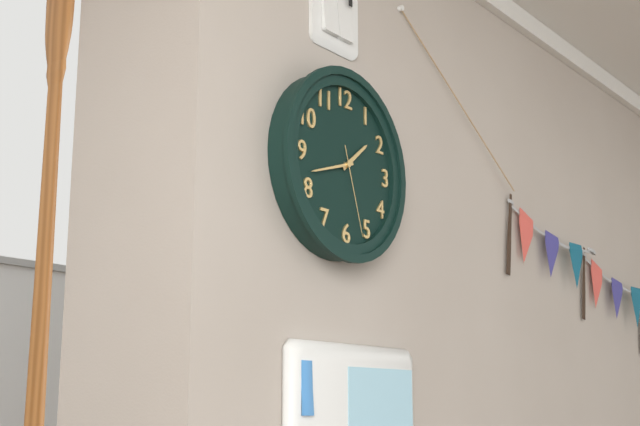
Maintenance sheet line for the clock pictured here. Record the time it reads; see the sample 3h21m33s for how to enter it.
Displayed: 1h42m27s
